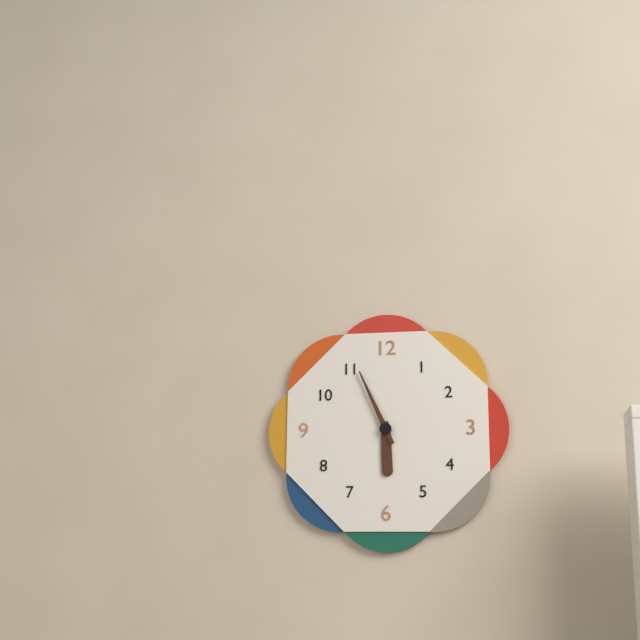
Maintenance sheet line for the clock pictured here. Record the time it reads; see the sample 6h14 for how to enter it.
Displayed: 5h56
